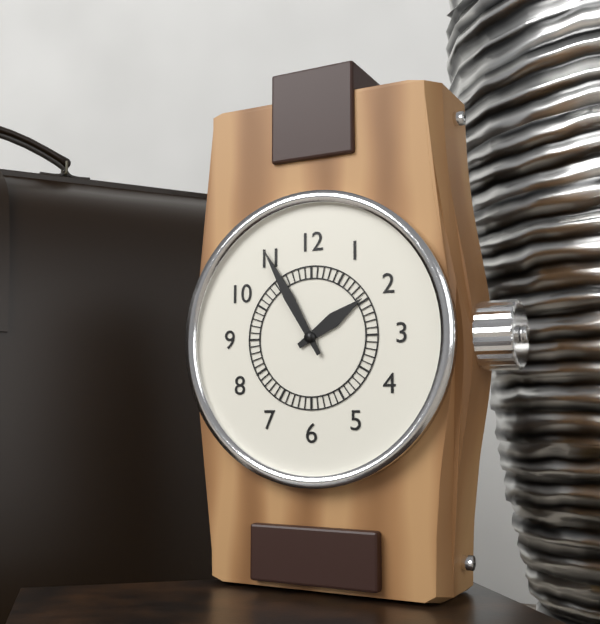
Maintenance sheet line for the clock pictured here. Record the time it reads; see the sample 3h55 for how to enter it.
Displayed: 1h55
